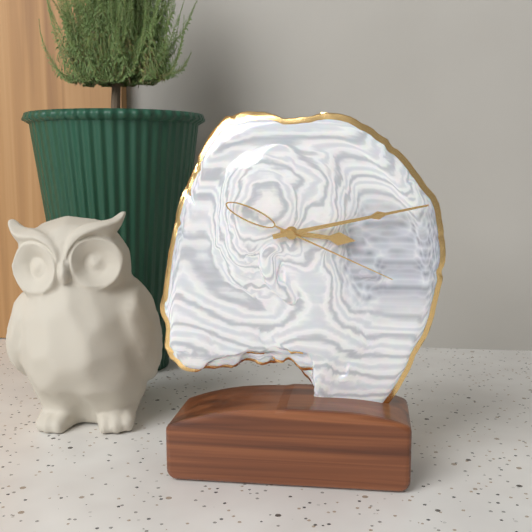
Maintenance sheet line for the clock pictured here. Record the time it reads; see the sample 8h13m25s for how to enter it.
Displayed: 3h13m19s
